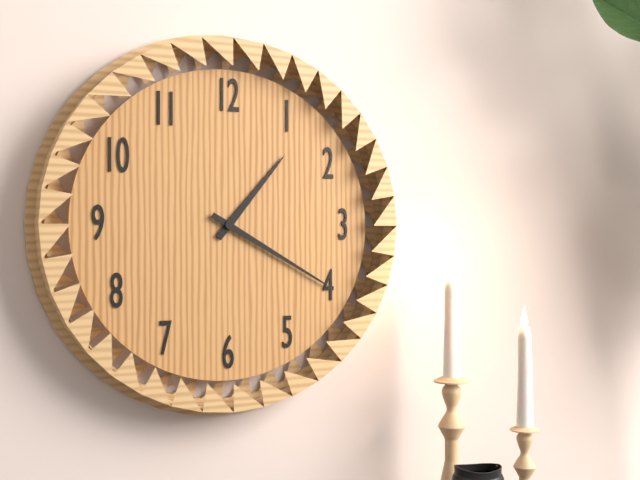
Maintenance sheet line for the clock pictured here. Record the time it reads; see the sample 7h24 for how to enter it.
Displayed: 1h20
